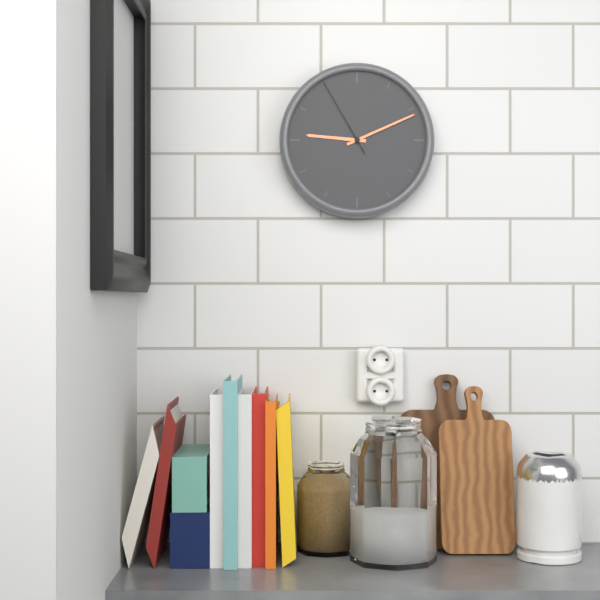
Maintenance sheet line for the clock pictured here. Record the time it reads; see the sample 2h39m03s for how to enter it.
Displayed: 9h11m55s
